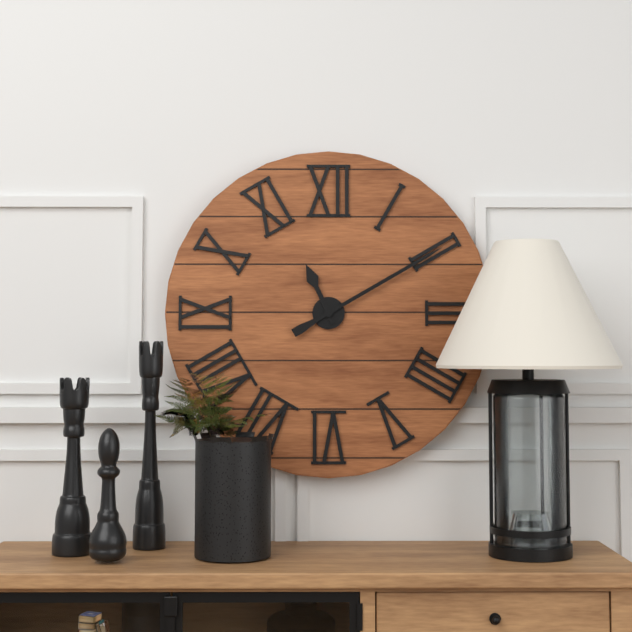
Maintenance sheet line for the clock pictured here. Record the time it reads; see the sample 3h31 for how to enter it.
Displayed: 11h10
